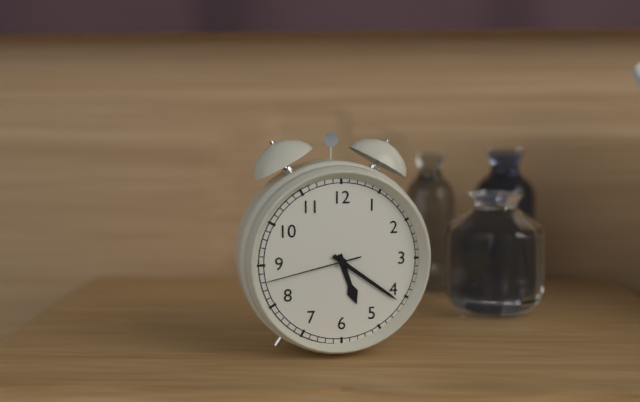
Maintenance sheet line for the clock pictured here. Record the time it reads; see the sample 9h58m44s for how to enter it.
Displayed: 5h21m43s
